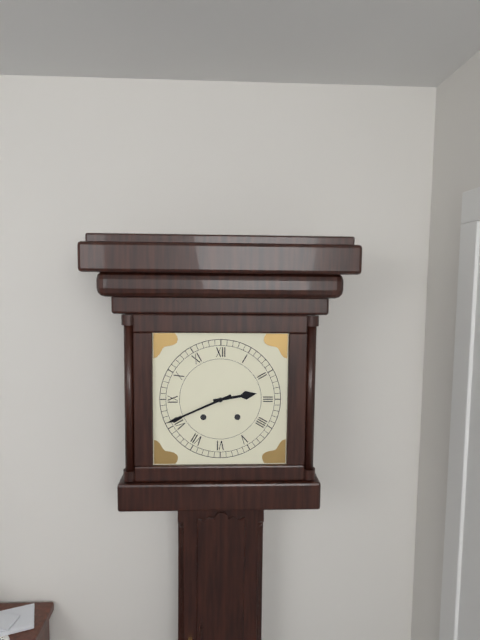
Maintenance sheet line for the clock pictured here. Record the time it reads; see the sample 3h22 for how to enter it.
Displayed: 2h41
